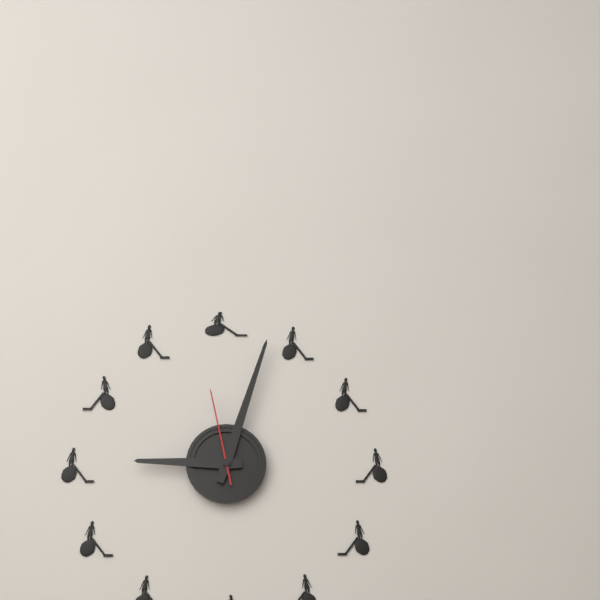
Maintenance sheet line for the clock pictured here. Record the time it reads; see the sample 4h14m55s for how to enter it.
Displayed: 9h03m58s
